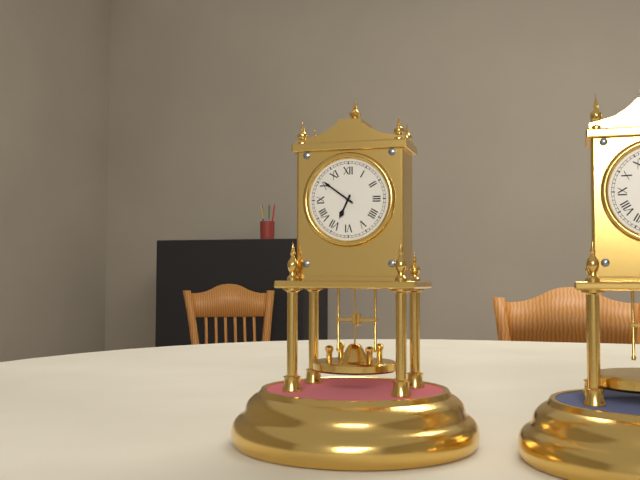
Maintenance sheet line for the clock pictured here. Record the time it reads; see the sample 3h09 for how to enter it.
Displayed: 6h51
